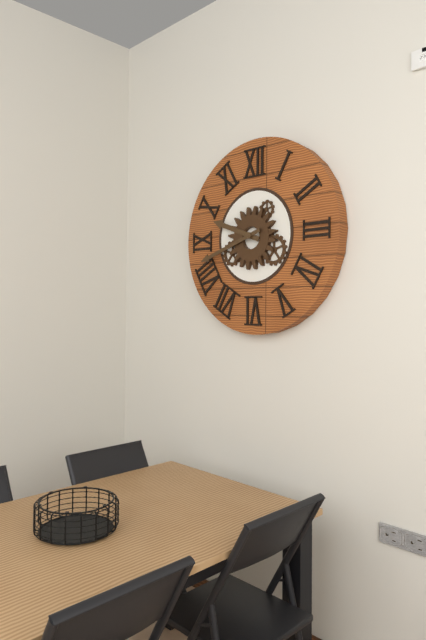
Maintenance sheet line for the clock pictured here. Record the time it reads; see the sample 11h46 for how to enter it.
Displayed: 9h42
